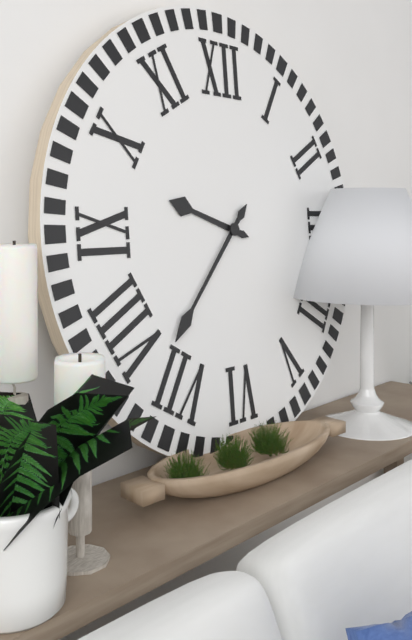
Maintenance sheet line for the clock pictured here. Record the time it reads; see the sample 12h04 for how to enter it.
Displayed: 9h37
